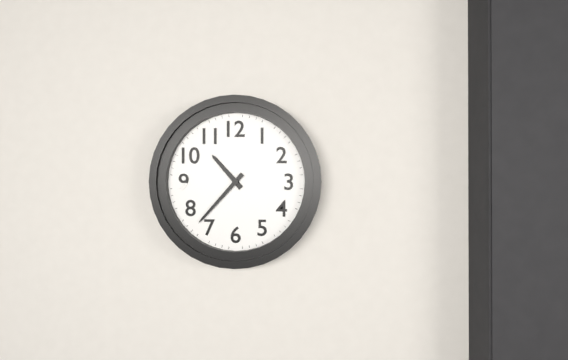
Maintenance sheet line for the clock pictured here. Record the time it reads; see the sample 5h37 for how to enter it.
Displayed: 10h37
